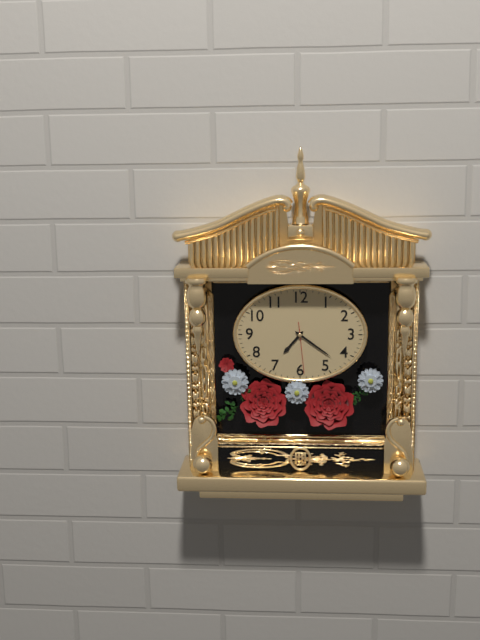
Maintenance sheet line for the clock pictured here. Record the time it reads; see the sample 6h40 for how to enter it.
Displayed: 7h21
